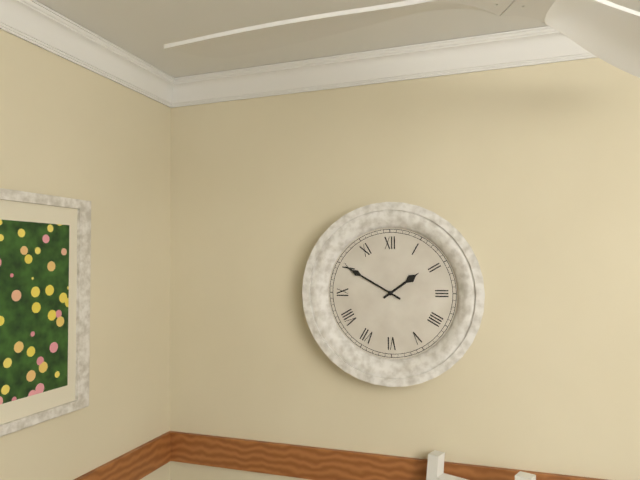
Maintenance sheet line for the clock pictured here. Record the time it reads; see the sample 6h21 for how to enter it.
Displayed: 1h50
